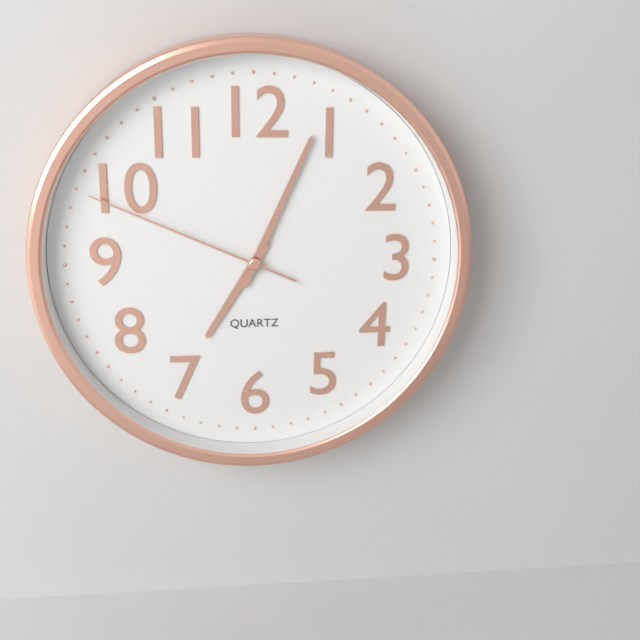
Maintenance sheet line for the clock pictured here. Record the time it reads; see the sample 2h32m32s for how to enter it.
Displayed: 7h04m49s
